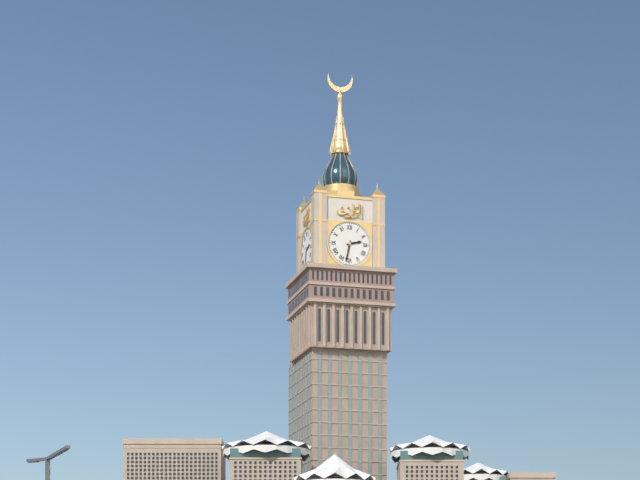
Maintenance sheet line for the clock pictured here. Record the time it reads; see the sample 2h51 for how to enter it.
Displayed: 2h32
